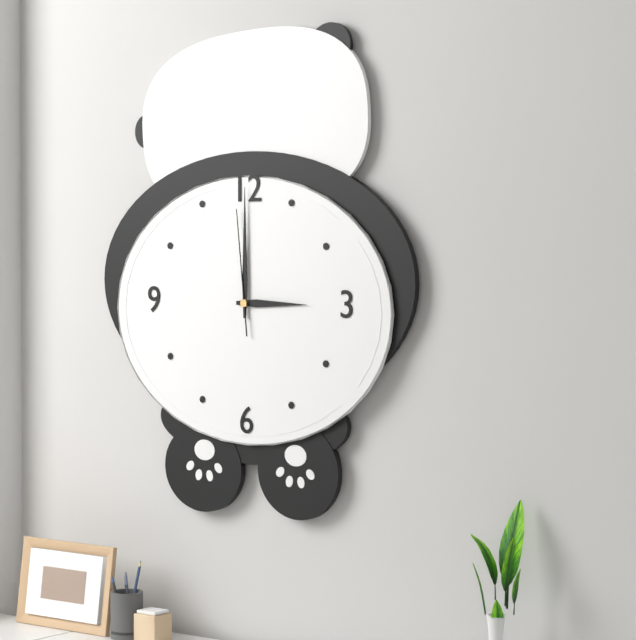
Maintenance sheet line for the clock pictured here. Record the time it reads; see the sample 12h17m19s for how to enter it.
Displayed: 3h00m59s
